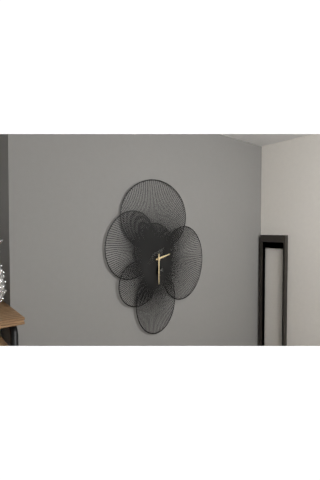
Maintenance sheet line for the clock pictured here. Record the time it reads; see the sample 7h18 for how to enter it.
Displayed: 2h30
